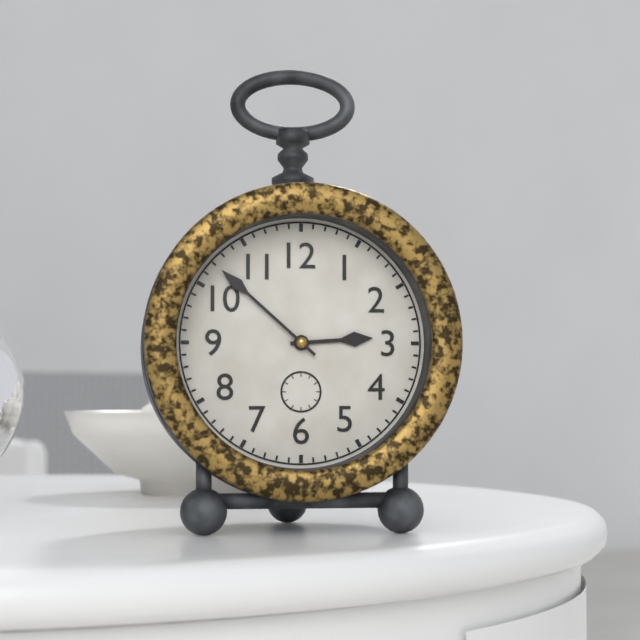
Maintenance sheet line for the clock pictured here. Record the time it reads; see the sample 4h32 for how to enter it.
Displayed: 2h52
